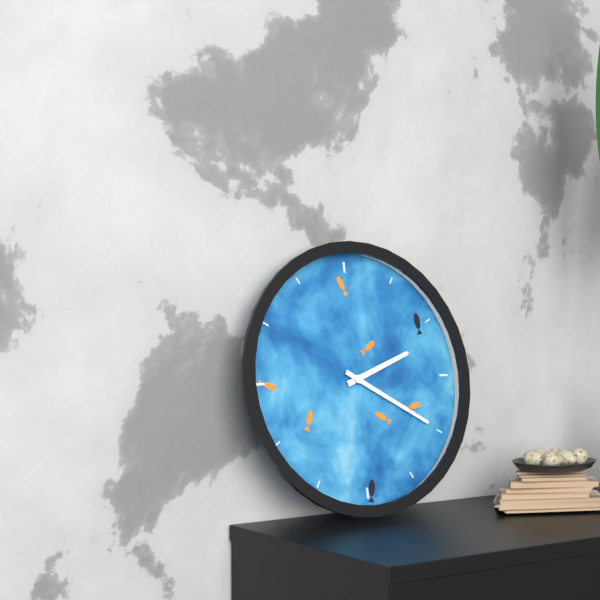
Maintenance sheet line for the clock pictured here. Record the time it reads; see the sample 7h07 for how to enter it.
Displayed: 2h20
